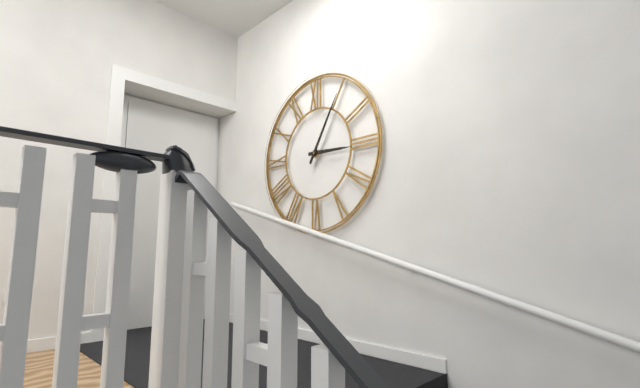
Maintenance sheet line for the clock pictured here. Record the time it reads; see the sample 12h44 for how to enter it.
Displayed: 3h05
